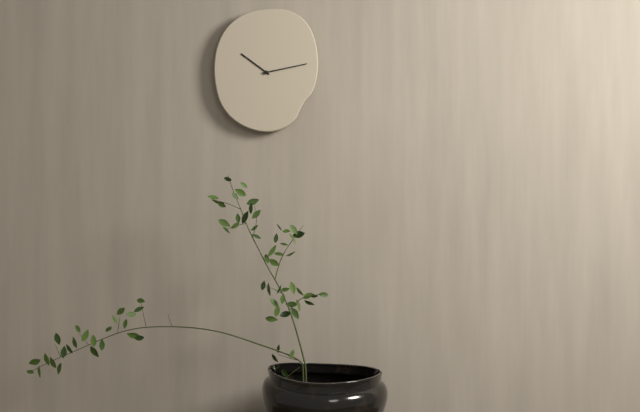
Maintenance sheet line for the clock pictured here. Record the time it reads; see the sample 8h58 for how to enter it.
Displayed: 10h13
